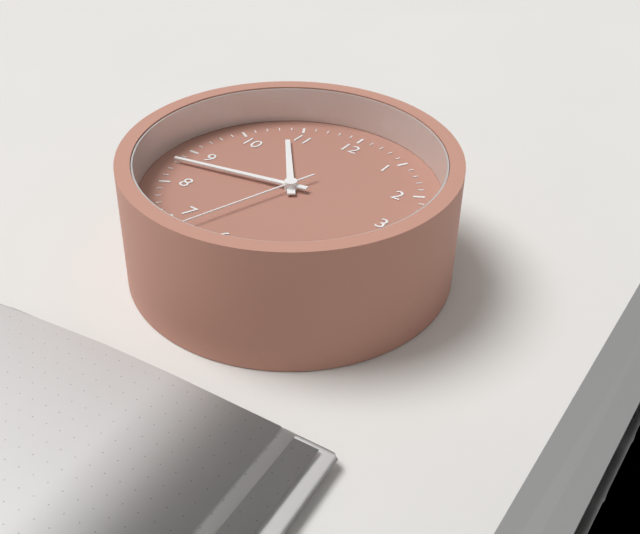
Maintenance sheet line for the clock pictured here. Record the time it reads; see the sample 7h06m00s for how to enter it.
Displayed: 10h43m33s
